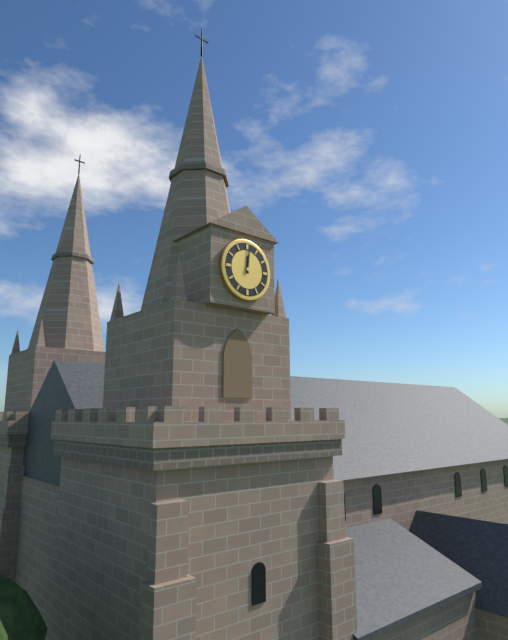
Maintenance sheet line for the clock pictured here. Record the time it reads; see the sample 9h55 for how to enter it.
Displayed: 12h01
